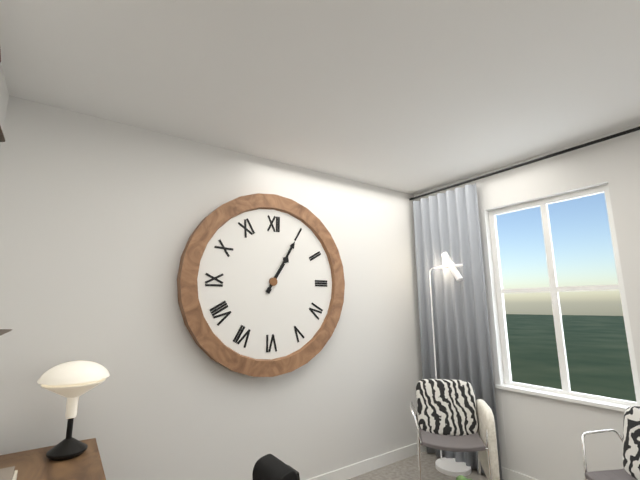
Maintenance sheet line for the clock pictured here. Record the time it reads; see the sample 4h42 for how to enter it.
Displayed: 1h05
